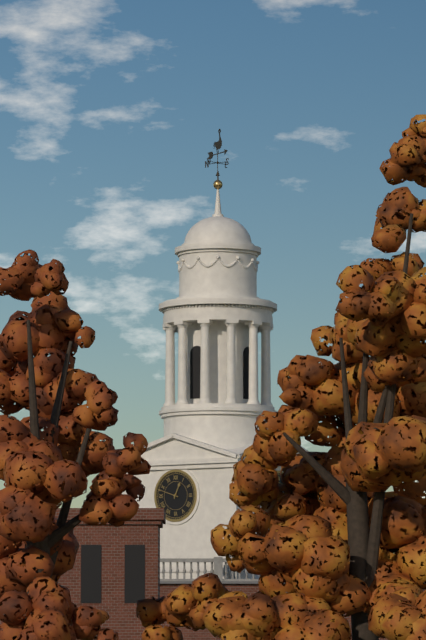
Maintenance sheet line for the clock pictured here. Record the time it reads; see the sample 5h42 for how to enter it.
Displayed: 12h48
